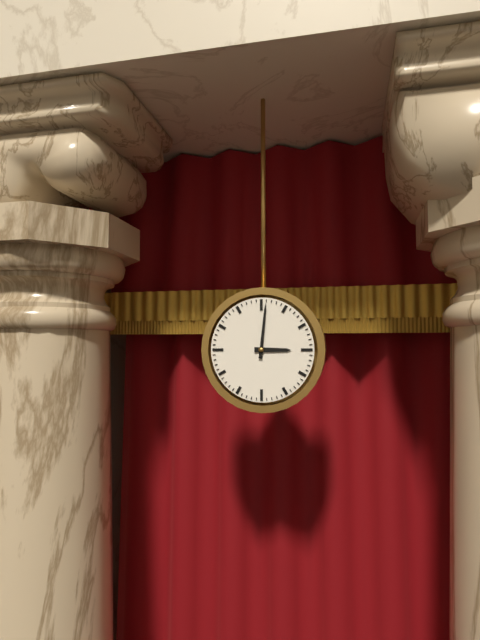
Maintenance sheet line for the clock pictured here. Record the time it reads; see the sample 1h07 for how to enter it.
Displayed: 3h01
